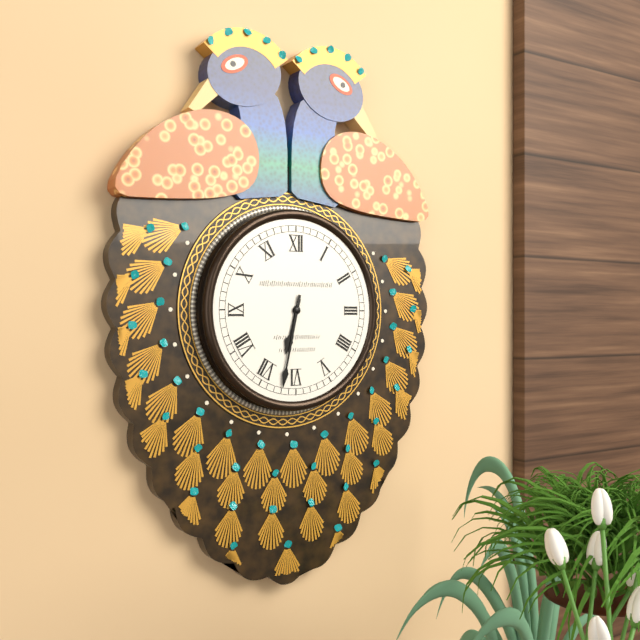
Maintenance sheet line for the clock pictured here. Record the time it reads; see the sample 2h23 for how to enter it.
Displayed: 6h32
